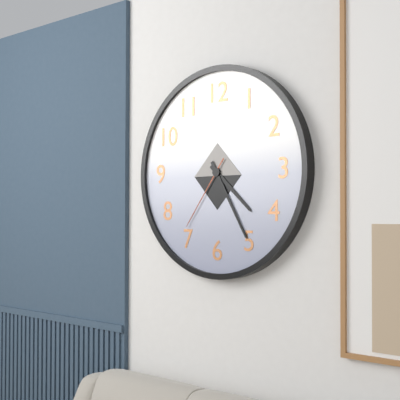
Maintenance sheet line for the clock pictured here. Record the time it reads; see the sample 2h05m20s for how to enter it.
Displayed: 4h25m36s
